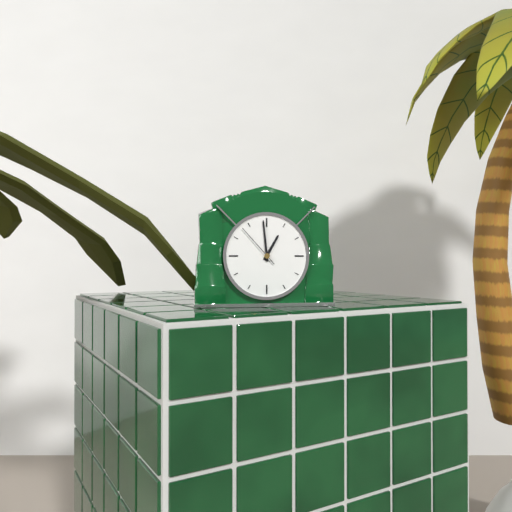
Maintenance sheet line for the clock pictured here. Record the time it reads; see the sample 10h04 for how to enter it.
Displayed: 12h59
